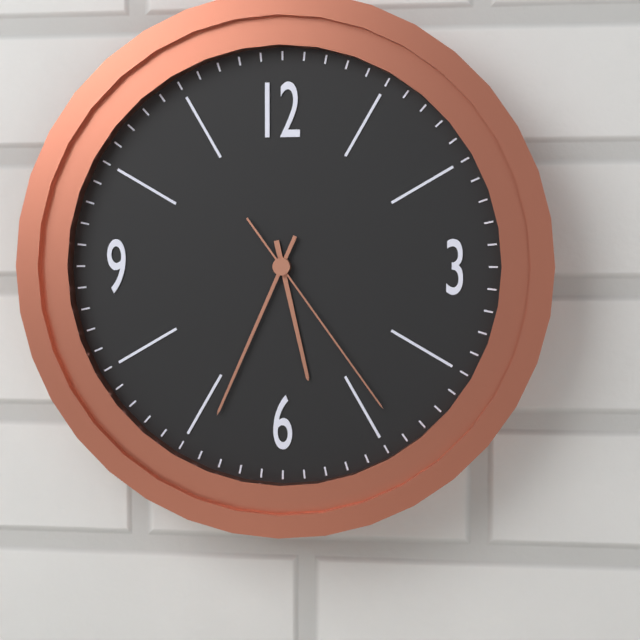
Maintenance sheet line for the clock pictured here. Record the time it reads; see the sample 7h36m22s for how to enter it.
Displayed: 5h34m24s
